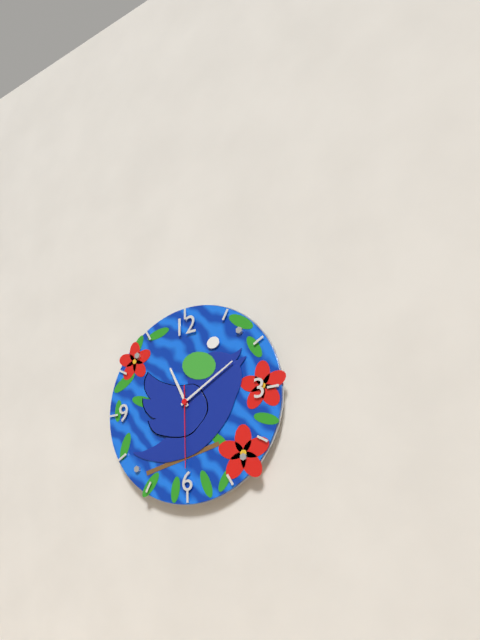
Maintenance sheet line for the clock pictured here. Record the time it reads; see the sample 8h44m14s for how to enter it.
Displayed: 11h10m30s
